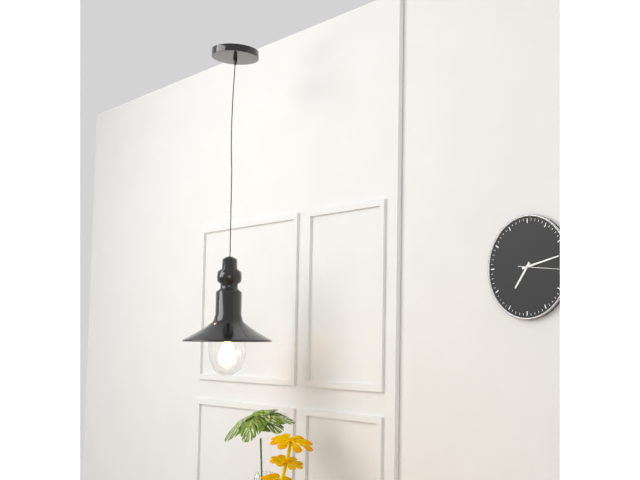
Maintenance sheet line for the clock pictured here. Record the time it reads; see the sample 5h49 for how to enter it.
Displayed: 7h13
